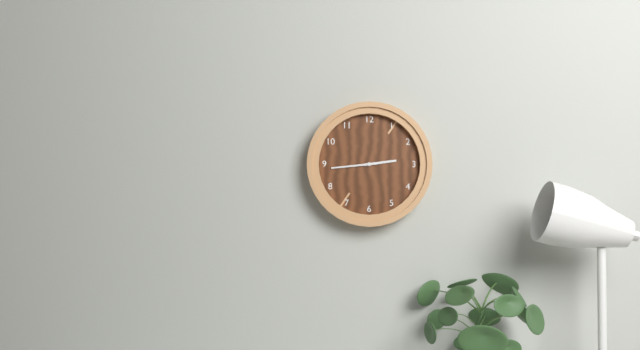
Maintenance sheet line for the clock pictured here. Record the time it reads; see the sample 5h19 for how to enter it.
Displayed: 2h44
